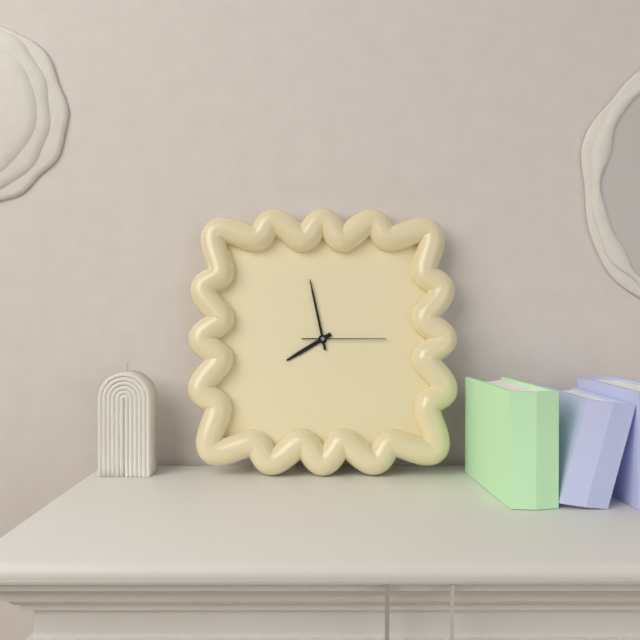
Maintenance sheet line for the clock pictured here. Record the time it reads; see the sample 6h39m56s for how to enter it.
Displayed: 7h58m15s
